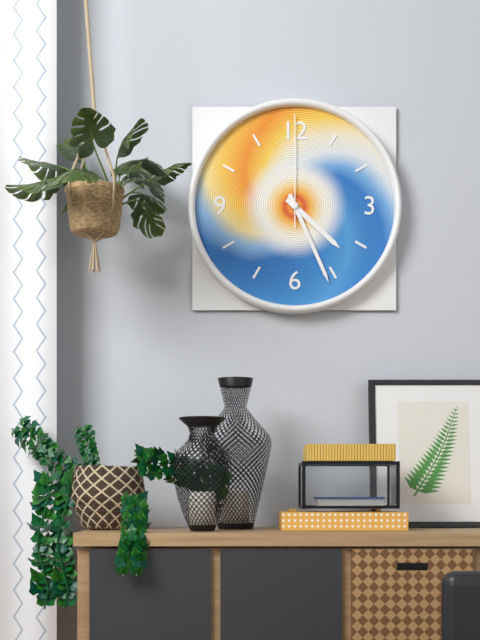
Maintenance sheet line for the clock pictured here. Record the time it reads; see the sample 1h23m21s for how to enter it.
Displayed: 4h26m00s
